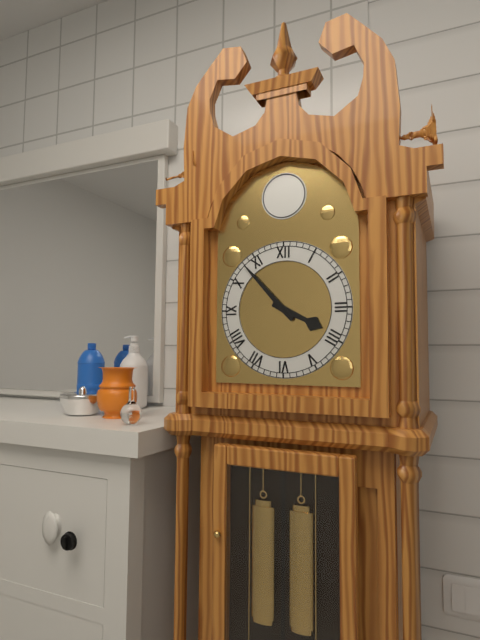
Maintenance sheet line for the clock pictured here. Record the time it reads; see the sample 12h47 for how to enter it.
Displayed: 3h53
